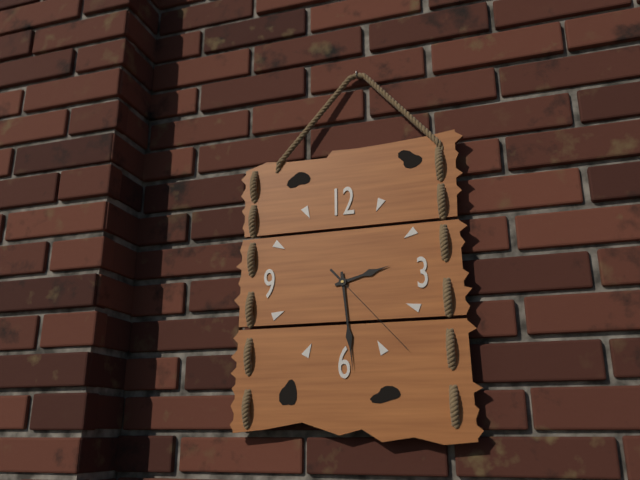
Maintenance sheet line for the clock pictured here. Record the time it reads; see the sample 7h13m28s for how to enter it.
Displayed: 2h29m23s
